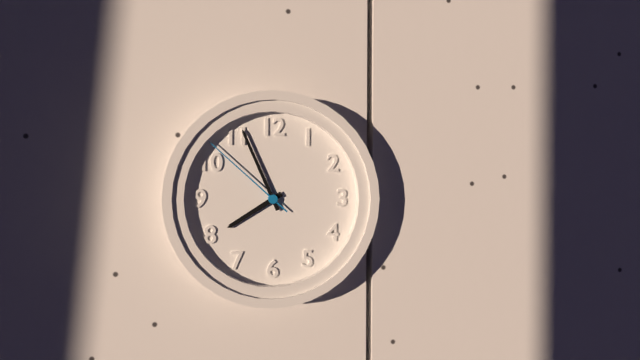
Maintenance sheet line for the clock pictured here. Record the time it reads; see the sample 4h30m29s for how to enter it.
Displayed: 7h56m52s
